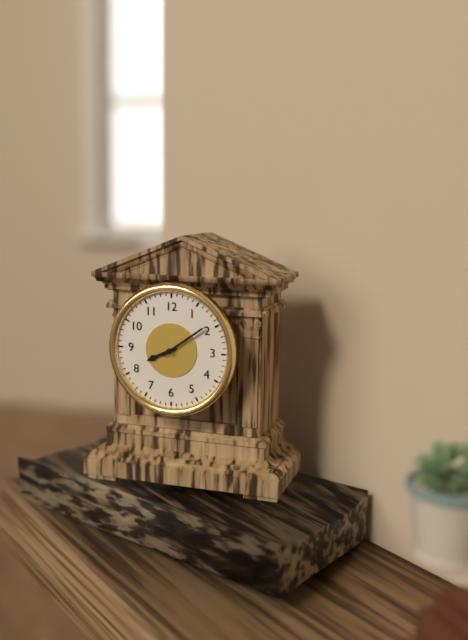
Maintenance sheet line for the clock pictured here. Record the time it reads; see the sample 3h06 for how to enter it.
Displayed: 8h09
